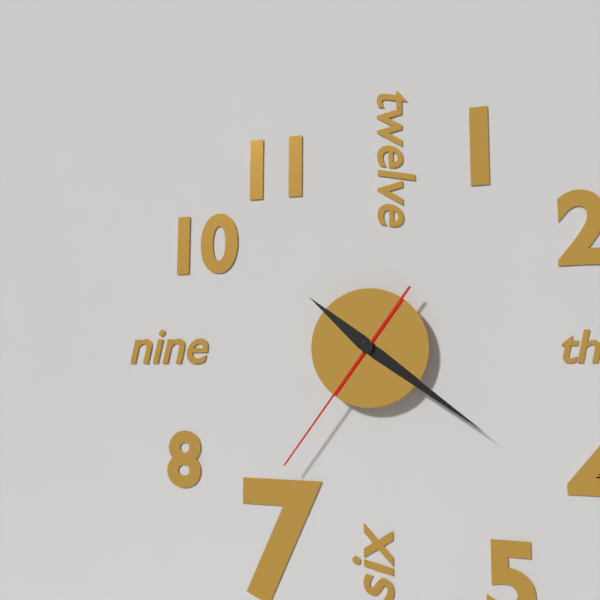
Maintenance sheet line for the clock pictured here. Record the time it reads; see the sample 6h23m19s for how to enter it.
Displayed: 10h21m36s
